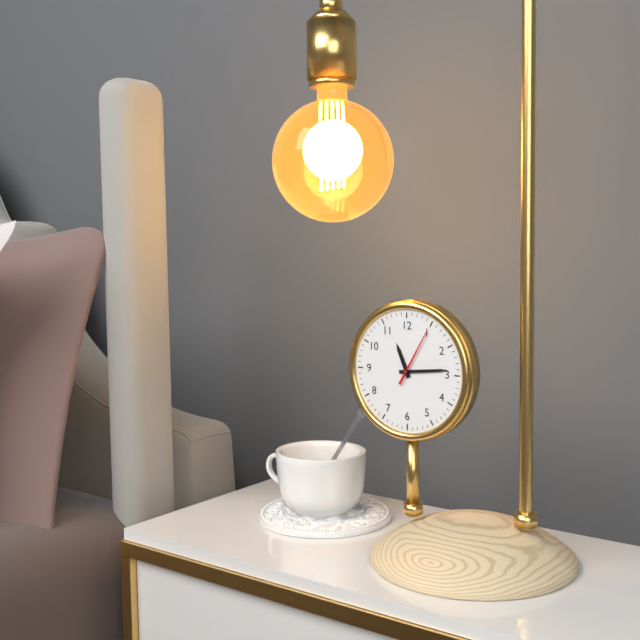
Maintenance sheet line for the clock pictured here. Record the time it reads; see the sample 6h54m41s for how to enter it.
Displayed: 11h14m05s
